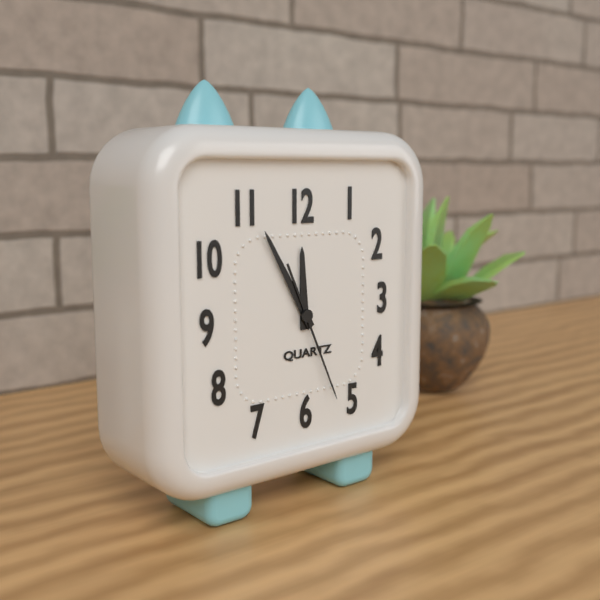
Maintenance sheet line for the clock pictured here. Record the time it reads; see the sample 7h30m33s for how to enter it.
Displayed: 11h55m26s
